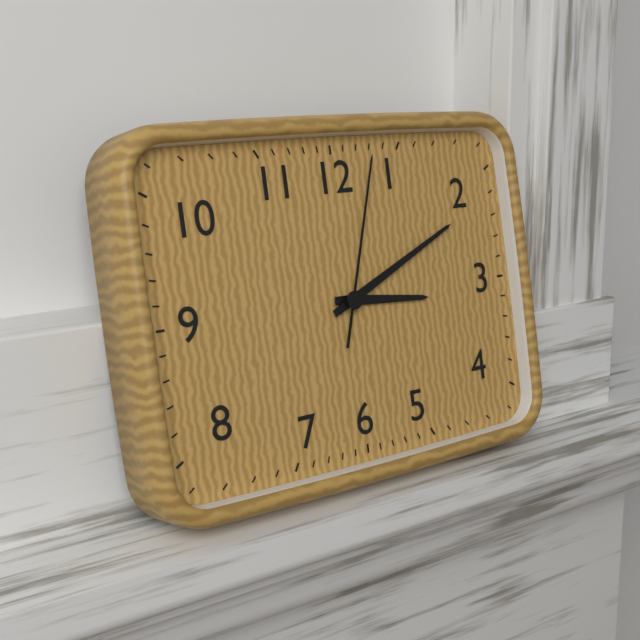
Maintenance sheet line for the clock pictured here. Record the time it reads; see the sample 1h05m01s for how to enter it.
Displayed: 3h11m03s
